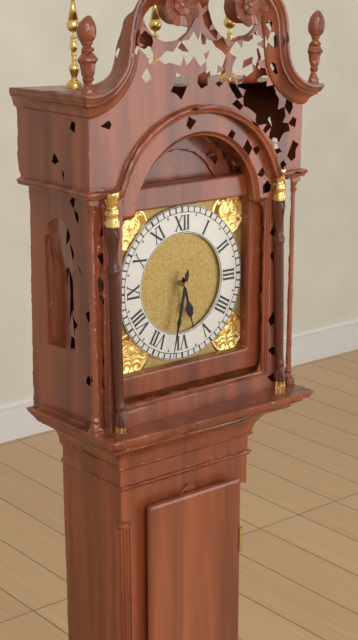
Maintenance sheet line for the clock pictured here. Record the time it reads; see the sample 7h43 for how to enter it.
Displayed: 5h32
